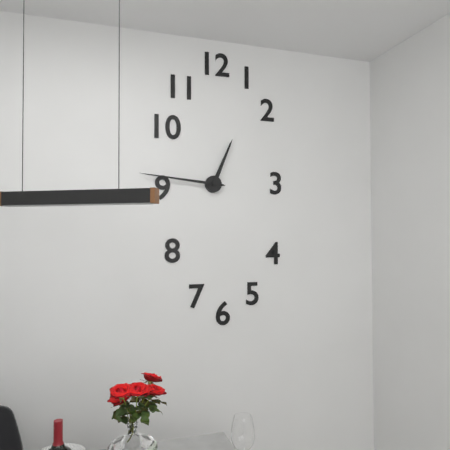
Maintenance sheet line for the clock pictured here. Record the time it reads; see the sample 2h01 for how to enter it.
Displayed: 12h46
